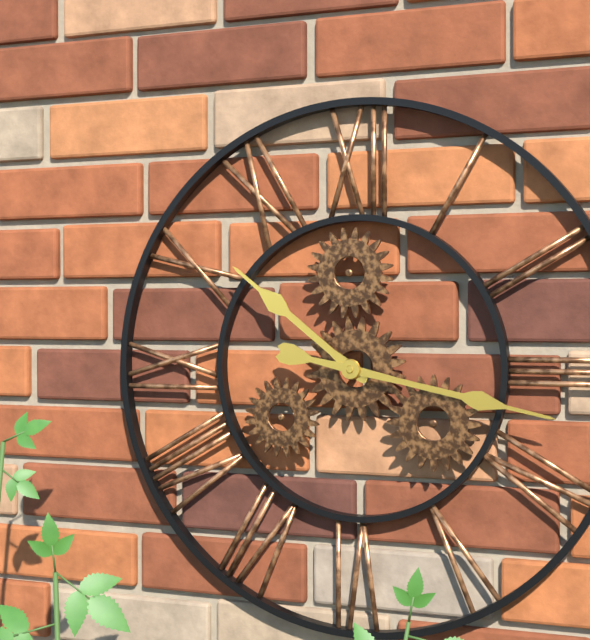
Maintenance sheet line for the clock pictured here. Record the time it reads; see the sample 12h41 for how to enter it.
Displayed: 10h17
